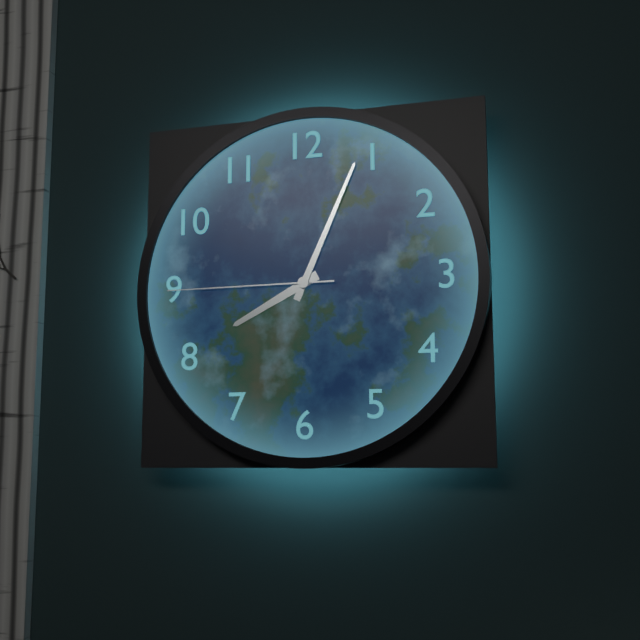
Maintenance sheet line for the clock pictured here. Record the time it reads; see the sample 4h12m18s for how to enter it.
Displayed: 8h04m45s
